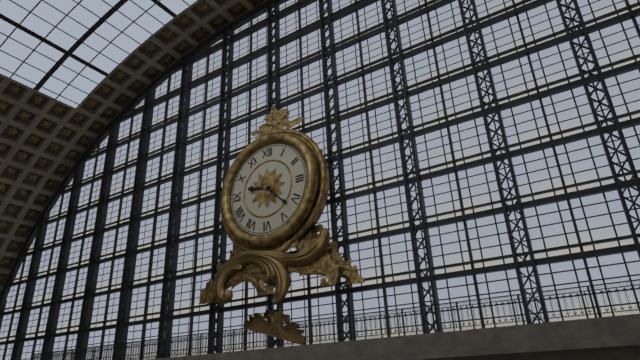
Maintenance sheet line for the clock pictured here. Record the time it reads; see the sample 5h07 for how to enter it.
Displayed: 9h22
